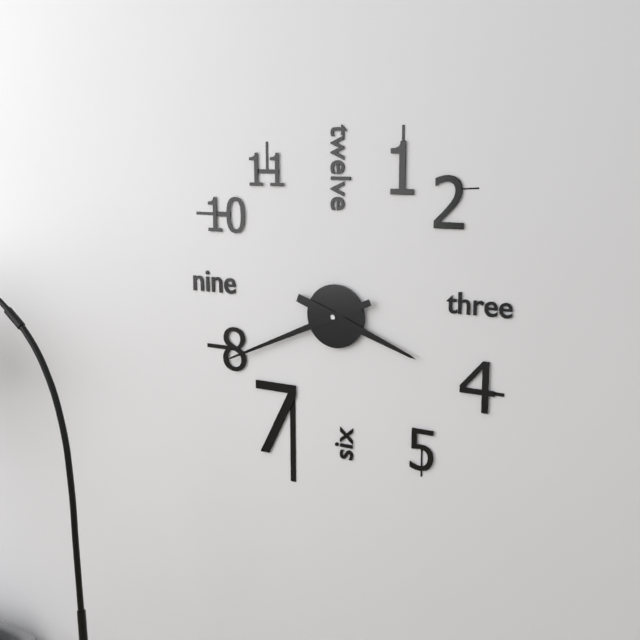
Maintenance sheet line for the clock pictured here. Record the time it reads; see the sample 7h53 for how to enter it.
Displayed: 3h41
